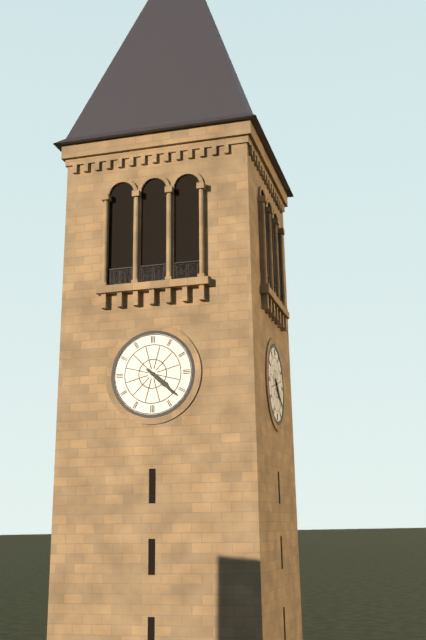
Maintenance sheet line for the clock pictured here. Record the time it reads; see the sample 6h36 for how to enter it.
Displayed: 4h22
